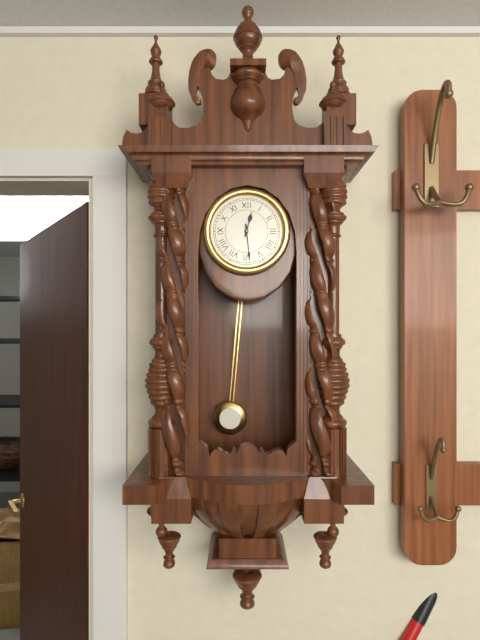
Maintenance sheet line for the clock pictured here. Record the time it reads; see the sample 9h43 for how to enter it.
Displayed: 12h29
